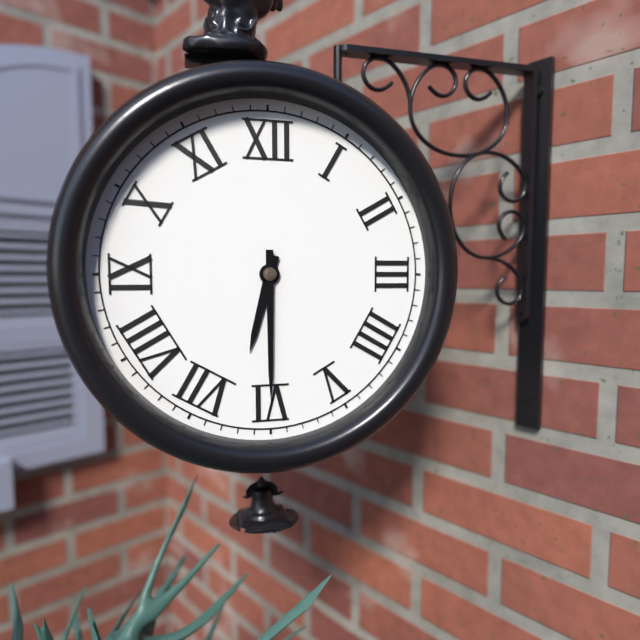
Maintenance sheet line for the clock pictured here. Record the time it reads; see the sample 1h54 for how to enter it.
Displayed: 6h30
